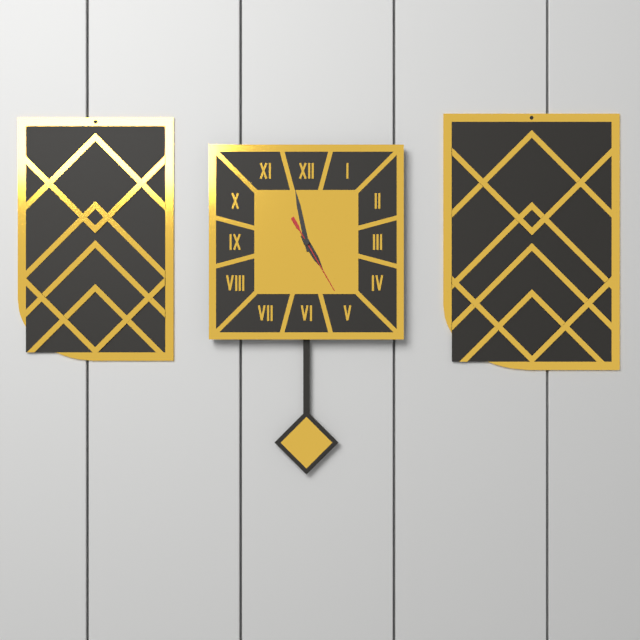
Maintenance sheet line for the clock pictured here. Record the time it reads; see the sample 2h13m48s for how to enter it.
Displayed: 4h58m25s
